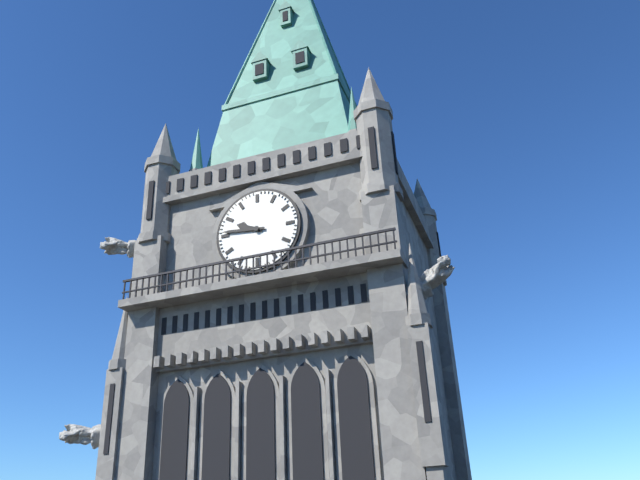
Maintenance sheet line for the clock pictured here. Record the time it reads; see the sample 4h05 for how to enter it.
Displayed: 9h46
